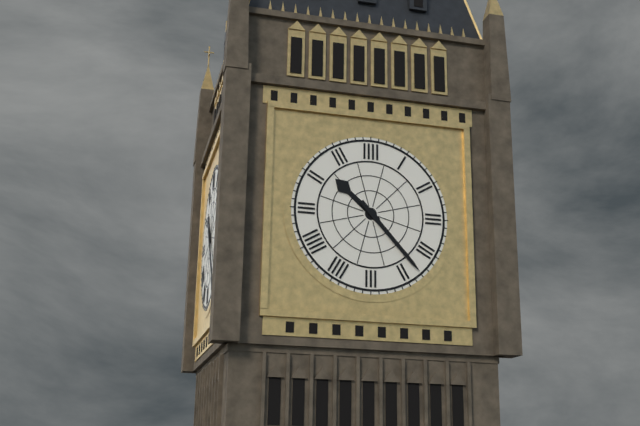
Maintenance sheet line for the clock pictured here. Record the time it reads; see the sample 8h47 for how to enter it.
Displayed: 10h23
